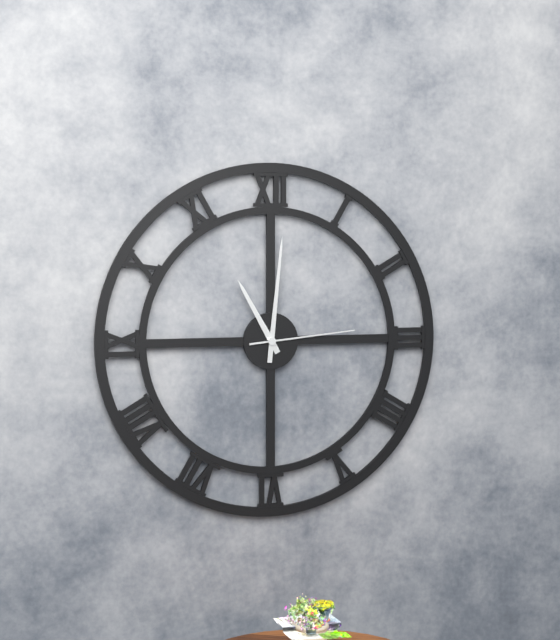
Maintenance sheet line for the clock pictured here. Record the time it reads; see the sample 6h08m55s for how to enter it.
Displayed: 11h01m14s
